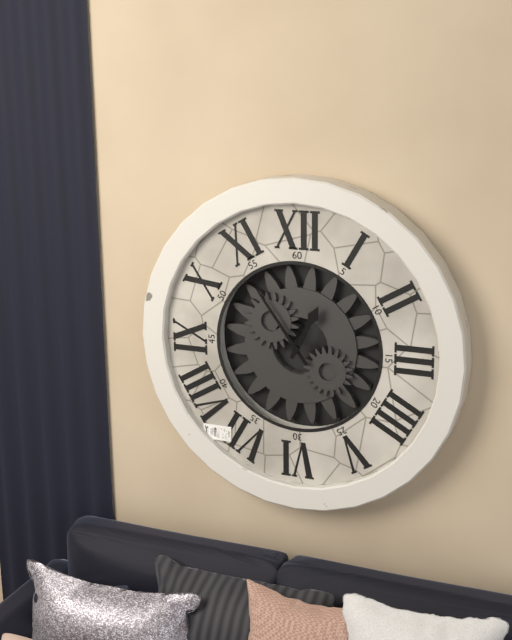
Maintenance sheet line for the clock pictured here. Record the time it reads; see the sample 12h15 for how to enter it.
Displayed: 12h54
